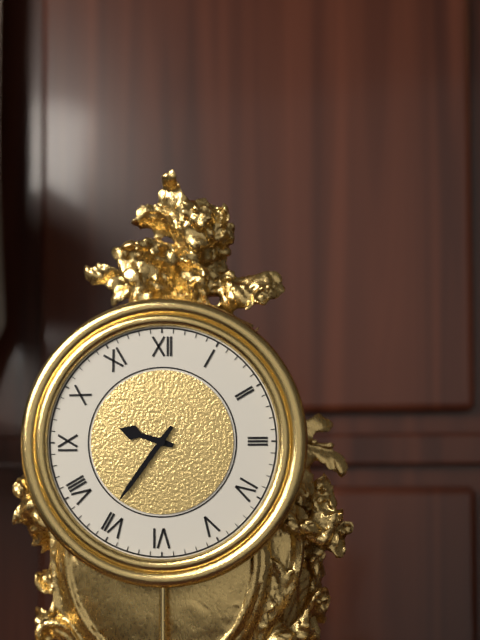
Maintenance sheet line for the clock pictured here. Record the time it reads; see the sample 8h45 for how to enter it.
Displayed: 9h36
